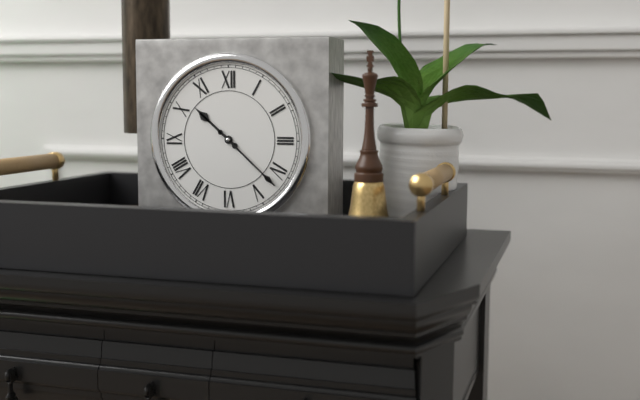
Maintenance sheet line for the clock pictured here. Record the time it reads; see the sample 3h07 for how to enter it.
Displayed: 10h22
